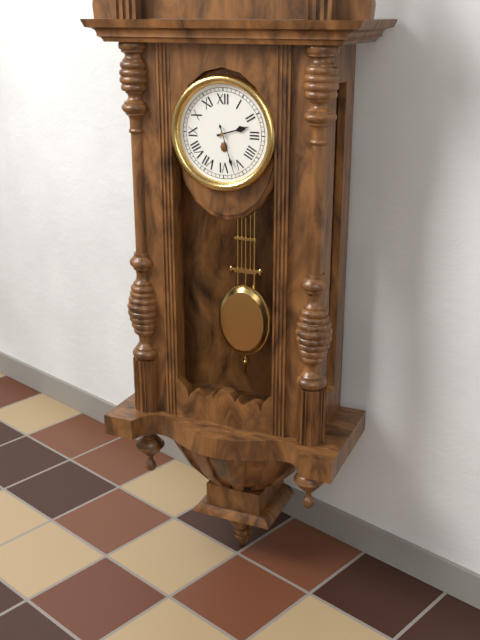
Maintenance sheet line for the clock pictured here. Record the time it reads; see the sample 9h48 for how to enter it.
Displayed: 2h27
